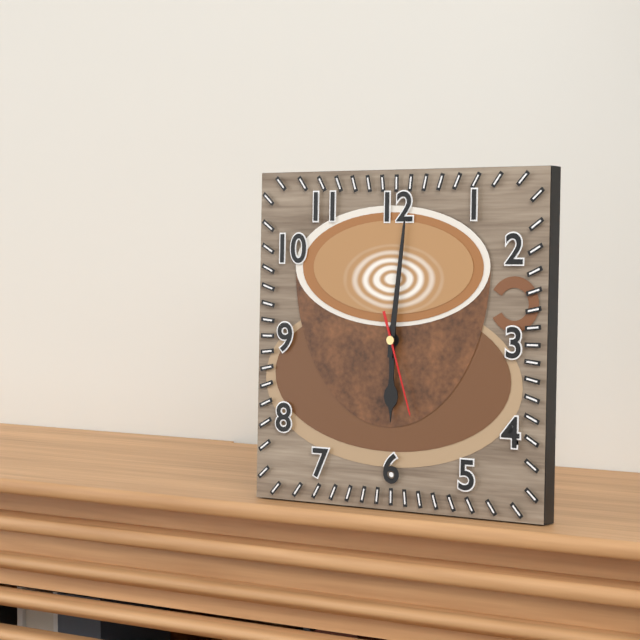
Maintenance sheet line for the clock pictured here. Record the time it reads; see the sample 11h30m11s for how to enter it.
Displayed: 6h01m27s
